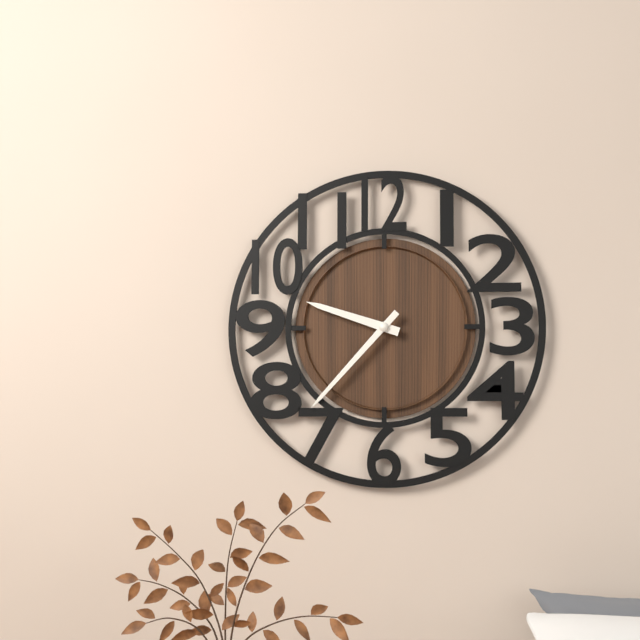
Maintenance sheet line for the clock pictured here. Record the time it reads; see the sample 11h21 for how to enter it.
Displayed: 9h37
